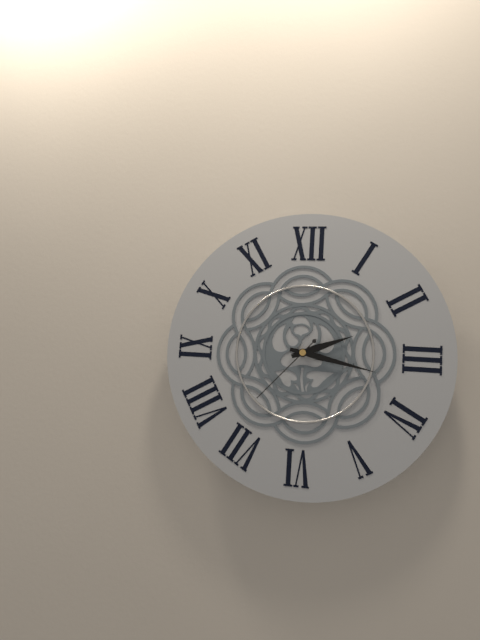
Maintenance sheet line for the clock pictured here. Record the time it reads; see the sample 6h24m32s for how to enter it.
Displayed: 2h17m37s
